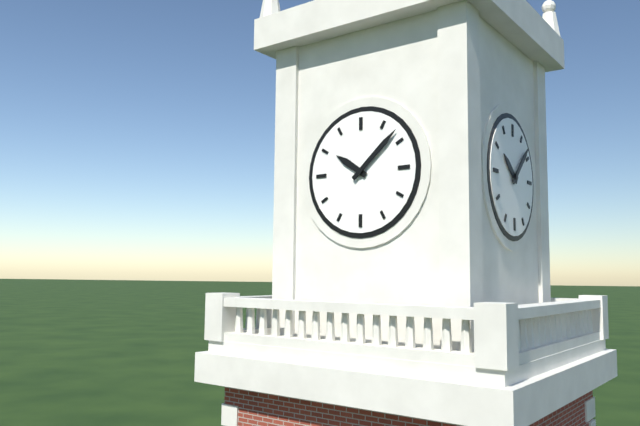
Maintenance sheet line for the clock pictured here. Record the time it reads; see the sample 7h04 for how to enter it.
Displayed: 10h08
